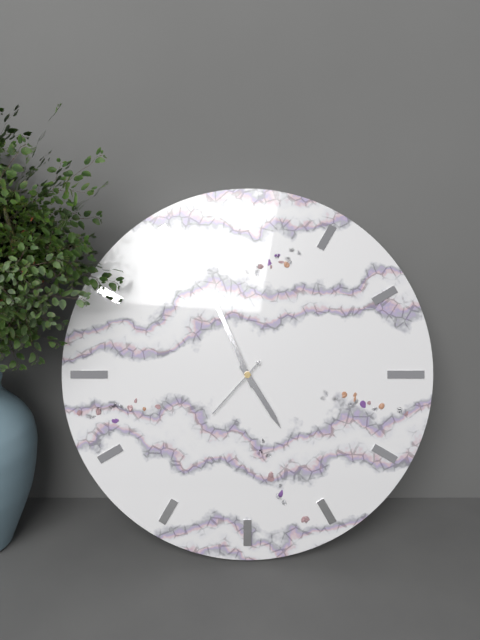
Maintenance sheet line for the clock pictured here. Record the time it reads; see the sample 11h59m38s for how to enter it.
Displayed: 4h56m37s
